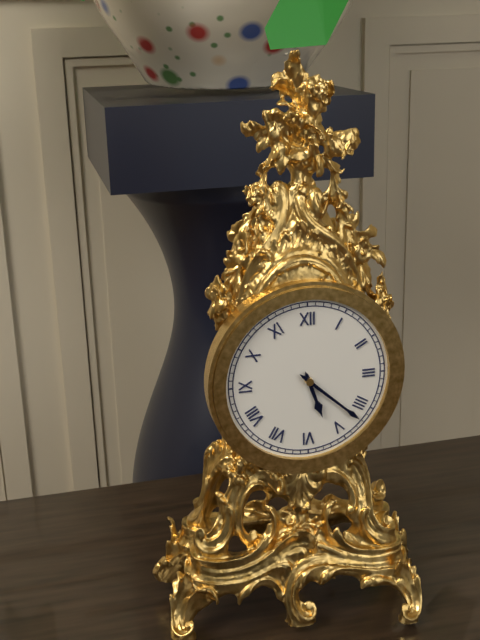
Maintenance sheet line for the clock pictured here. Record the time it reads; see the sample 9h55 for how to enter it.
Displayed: 5h22
